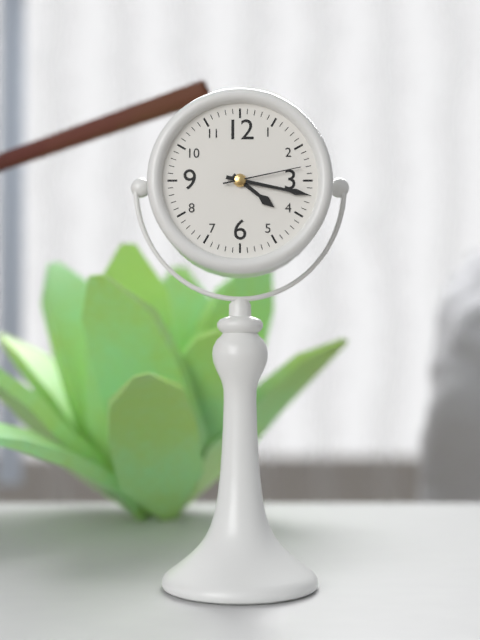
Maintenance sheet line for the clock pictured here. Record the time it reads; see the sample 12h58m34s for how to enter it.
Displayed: 4h17m13s
